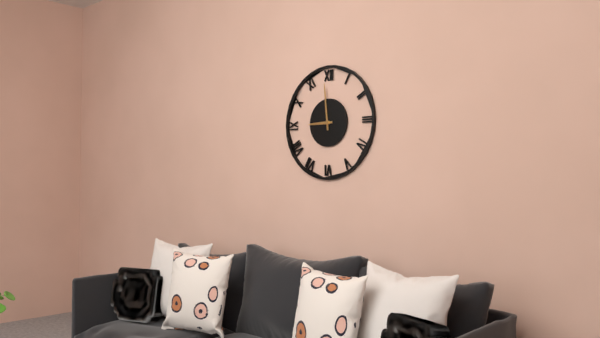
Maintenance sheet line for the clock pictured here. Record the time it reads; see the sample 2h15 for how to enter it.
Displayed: 8h59
